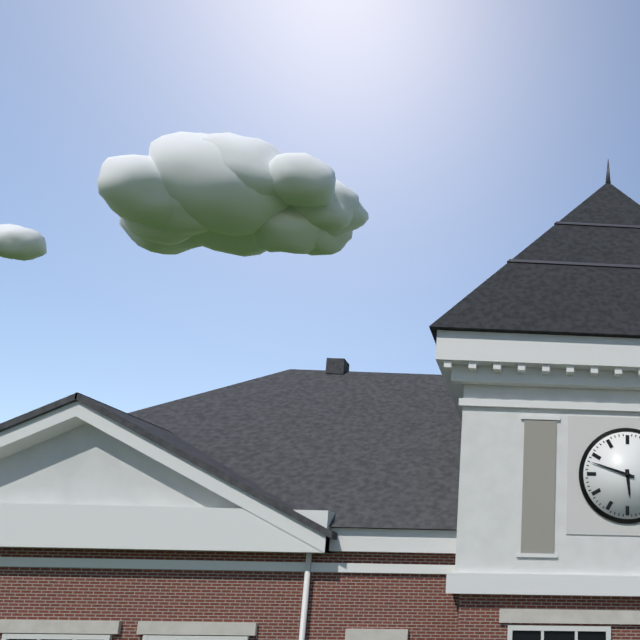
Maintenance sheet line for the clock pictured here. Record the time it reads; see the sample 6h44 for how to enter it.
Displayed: 5h48
